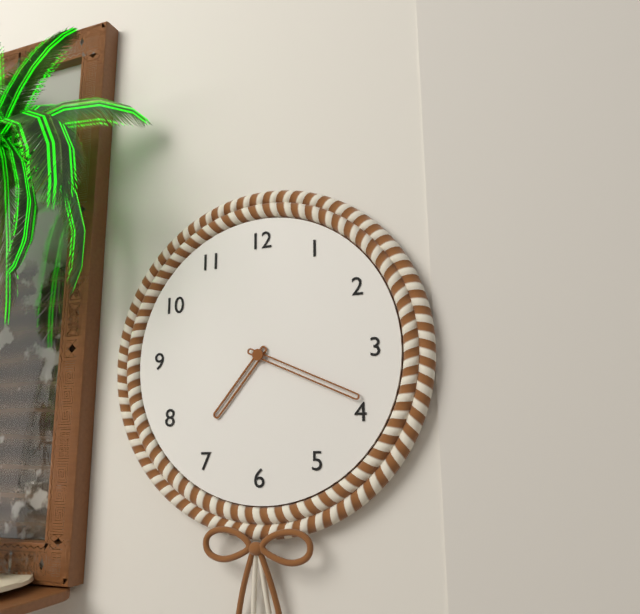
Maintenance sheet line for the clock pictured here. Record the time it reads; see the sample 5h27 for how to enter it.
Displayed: 7h19
